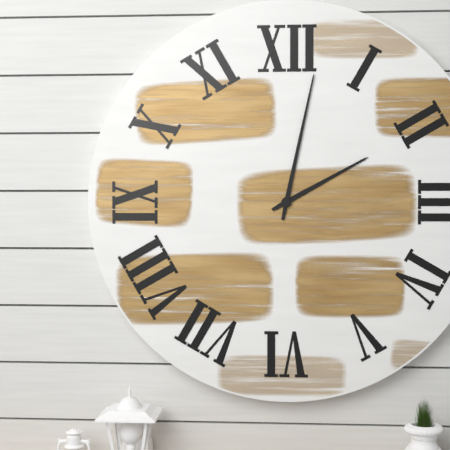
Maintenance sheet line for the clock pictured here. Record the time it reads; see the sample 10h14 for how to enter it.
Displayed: 2h02
